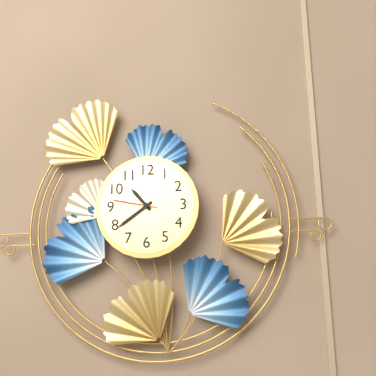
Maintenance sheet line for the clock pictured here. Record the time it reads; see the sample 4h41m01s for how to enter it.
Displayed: 10h39m47s
